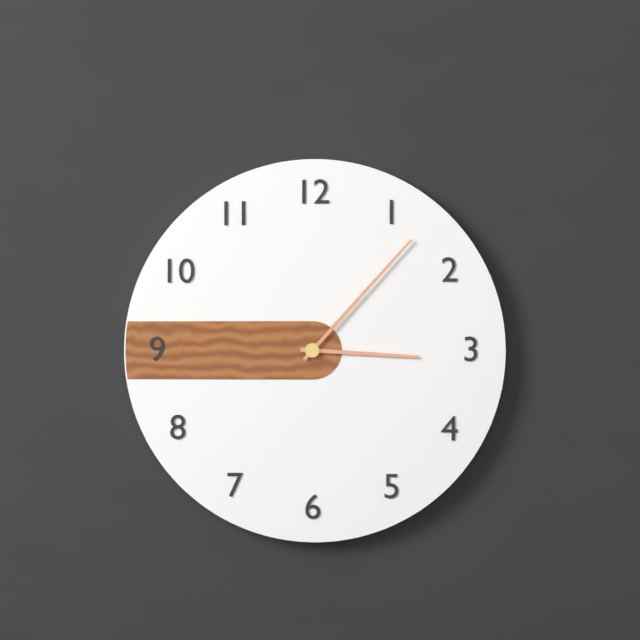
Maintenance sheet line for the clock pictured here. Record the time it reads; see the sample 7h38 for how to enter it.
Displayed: 3h07
